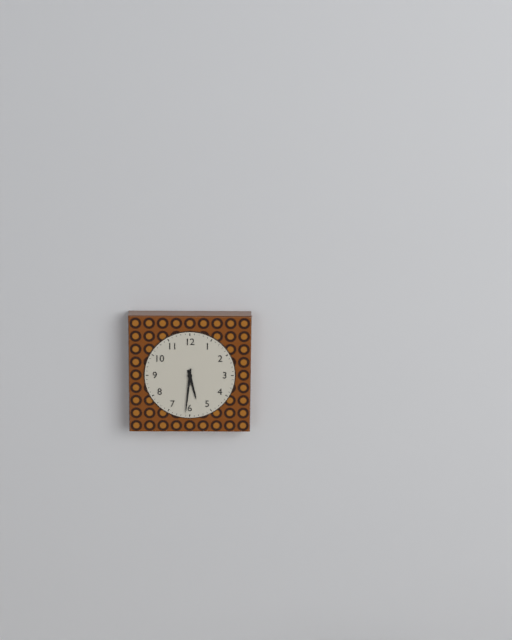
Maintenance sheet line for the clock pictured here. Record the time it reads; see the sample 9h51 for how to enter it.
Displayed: 5h31
